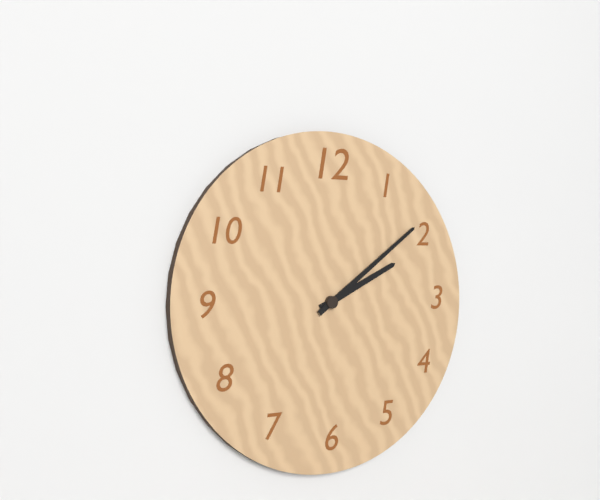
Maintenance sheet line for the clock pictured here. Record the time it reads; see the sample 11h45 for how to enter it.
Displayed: 2h09
